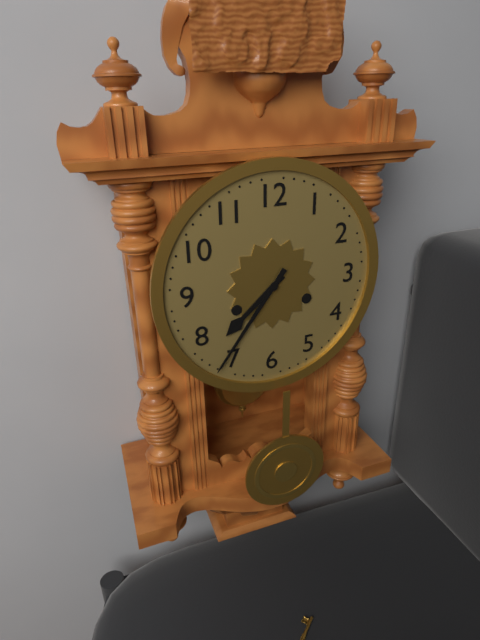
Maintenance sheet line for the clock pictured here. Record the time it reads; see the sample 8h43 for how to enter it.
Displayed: 7h36
